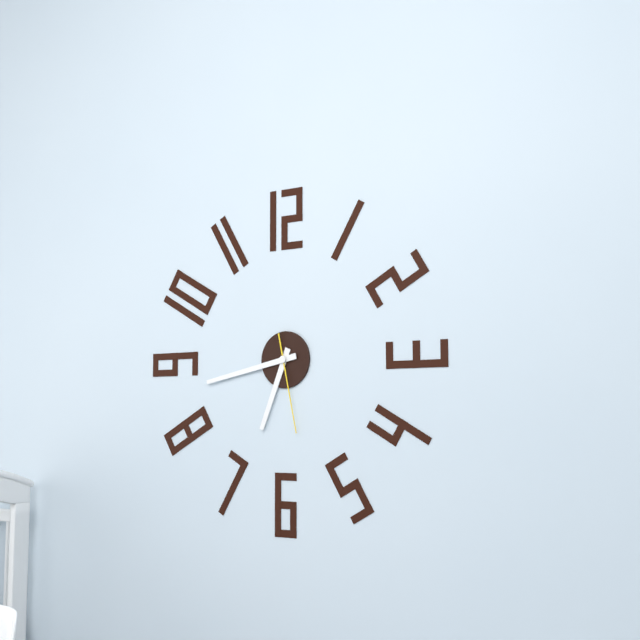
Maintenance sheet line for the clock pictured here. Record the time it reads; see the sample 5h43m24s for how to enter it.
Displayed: 6h43m28s
